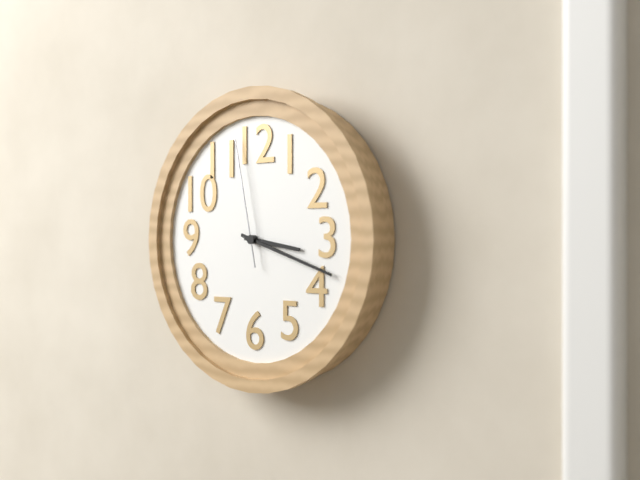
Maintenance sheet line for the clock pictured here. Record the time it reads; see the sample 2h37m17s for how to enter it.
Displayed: 3h18m58s
